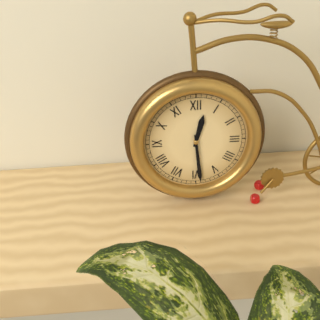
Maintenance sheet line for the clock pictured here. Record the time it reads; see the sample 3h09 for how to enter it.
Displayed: 12h29
